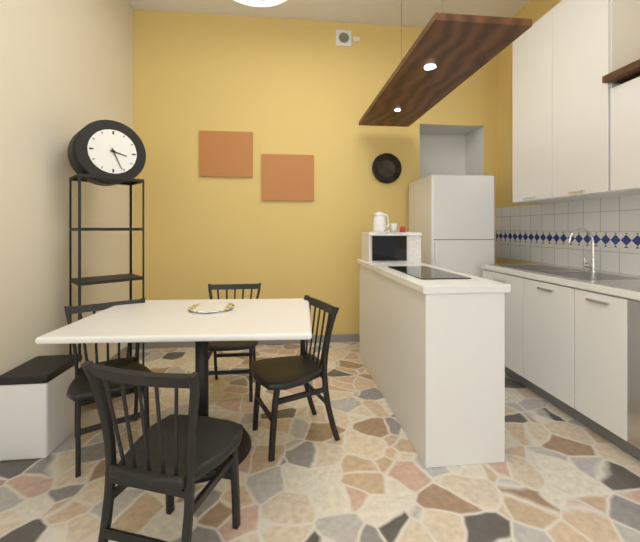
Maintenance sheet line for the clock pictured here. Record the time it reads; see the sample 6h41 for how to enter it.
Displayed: 3h26
